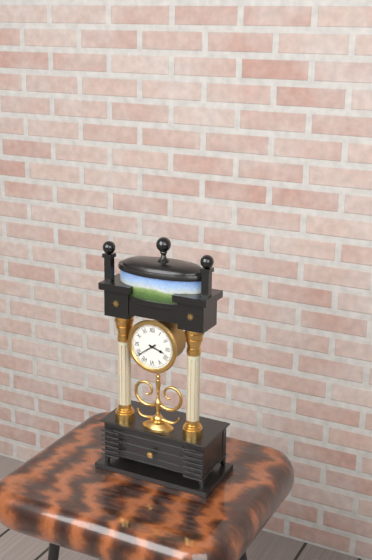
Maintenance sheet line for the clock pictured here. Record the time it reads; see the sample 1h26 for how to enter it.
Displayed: 3h39
